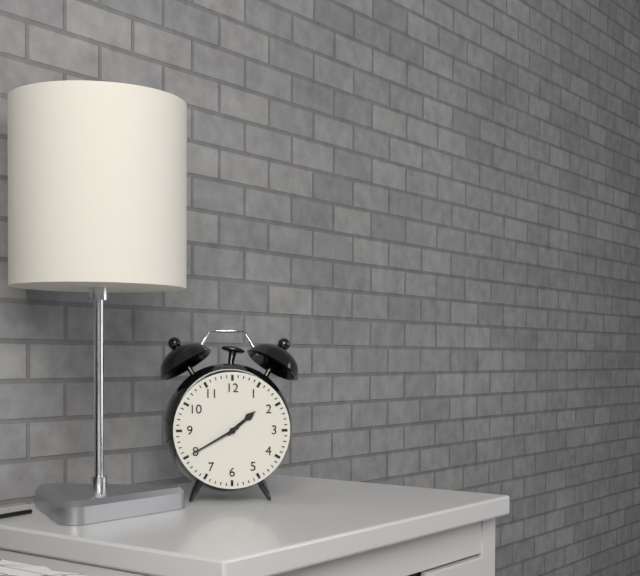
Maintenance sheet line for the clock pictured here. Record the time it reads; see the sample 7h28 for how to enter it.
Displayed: 1h40
